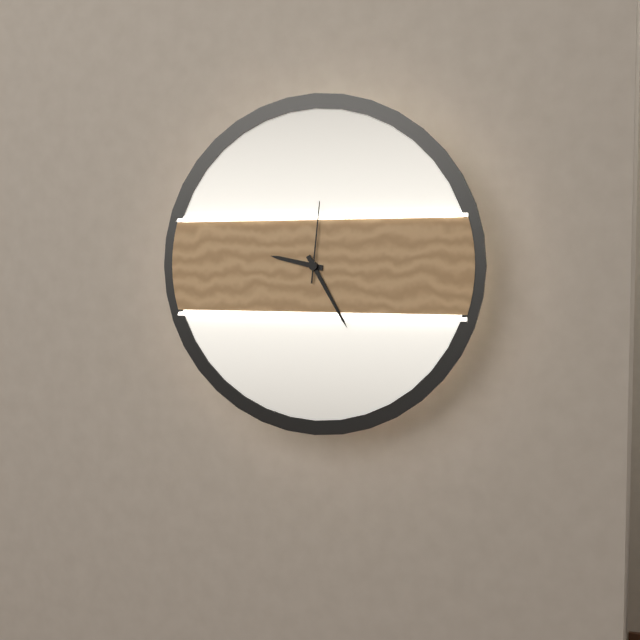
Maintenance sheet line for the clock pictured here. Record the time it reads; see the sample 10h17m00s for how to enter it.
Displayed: 9h25m01s
